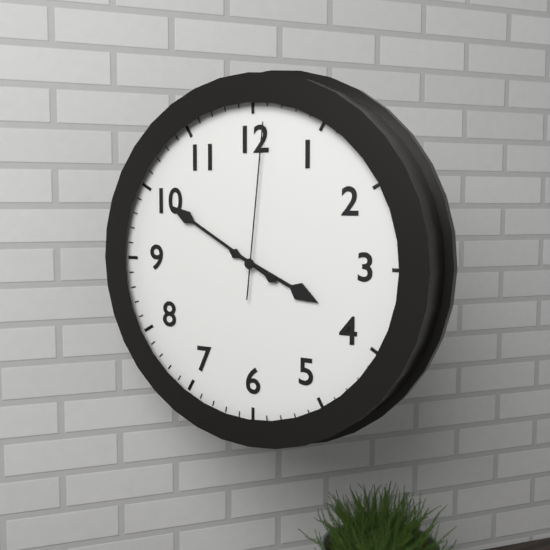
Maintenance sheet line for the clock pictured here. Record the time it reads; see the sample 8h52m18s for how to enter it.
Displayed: 3h50m01s
